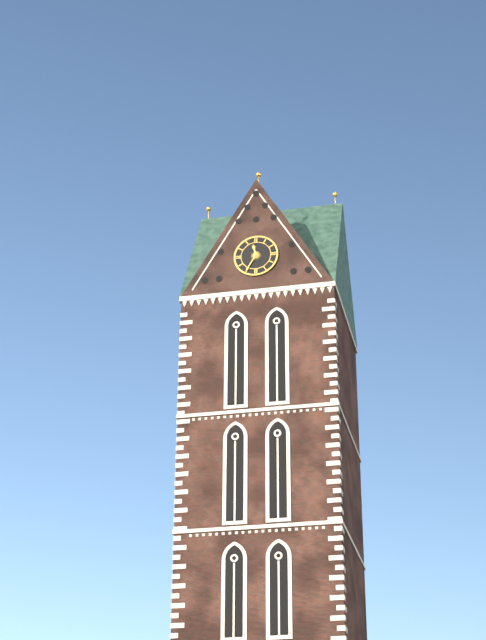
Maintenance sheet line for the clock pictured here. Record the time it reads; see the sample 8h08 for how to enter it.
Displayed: 11h35
